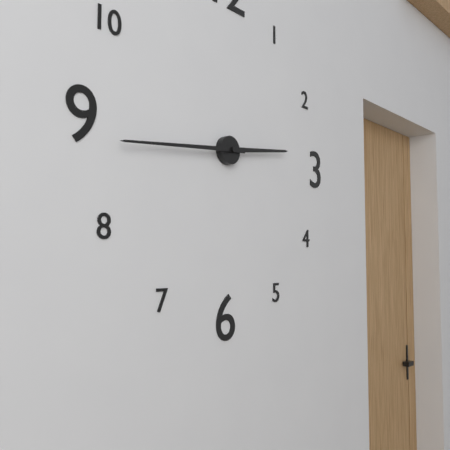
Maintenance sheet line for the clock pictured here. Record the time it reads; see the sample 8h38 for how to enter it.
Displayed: 2h44
